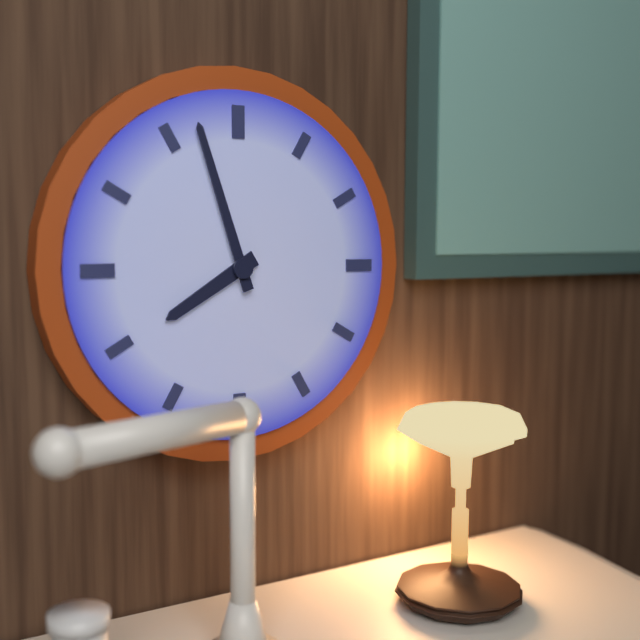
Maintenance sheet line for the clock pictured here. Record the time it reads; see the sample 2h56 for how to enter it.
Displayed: 7h57
